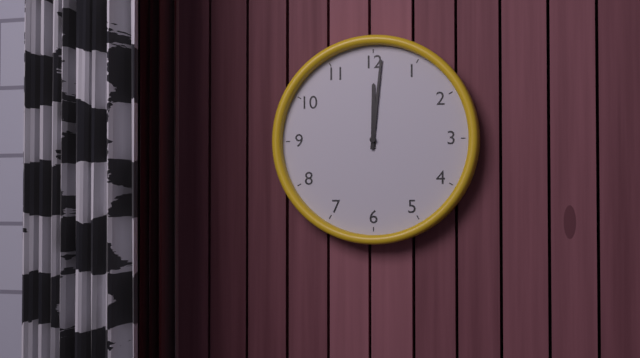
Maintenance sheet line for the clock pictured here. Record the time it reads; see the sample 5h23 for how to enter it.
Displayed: 12h01
